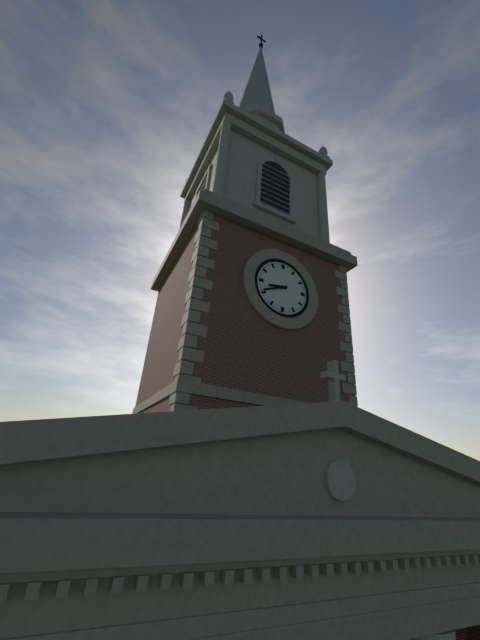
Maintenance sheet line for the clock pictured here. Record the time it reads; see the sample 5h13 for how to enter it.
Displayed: 8h41
